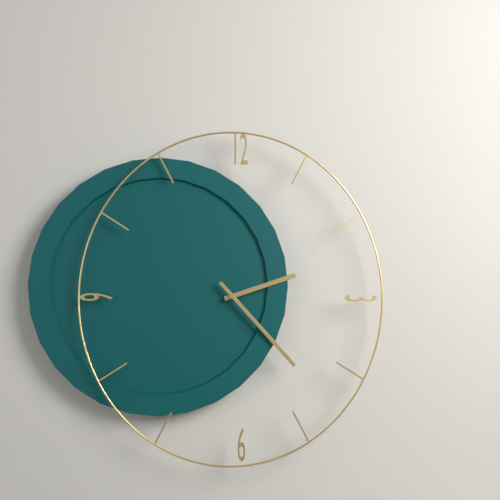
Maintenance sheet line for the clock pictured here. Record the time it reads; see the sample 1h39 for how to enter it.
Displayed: 2h23
